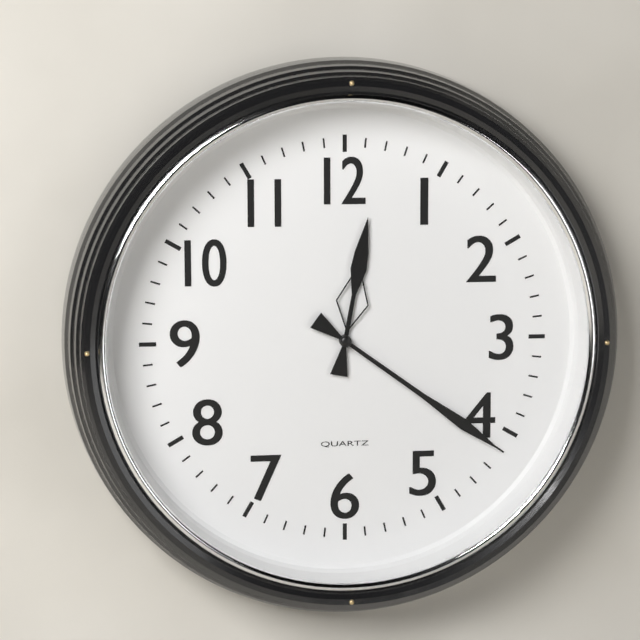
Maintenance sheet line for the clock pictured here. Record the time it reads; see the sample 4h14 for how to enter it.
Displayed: 12h21
